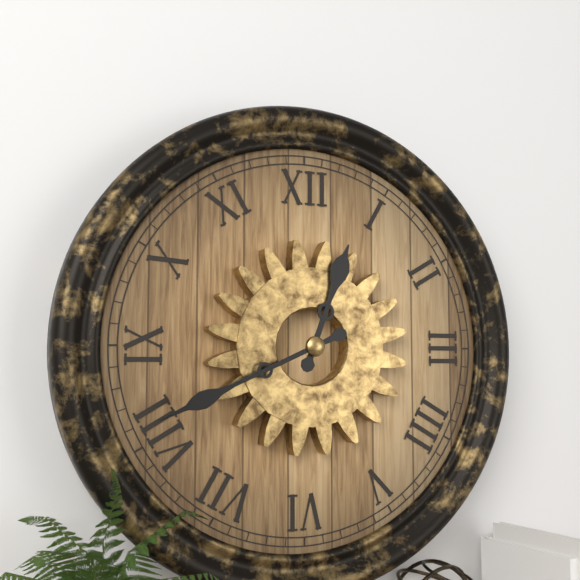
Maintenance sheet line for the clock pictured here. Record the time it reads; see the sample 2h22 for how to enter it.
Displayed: 12h41
